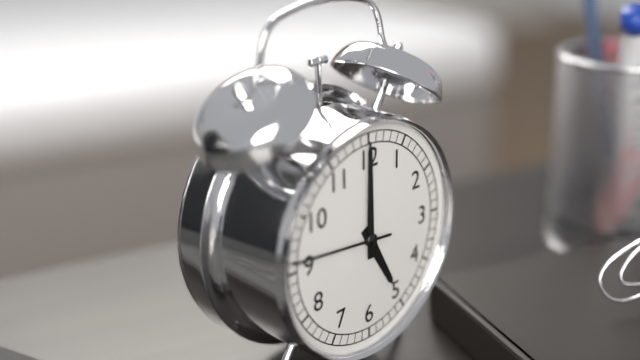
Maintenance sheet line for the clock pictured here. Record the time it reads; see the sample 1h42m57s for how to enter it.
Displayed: 5h00m46s
